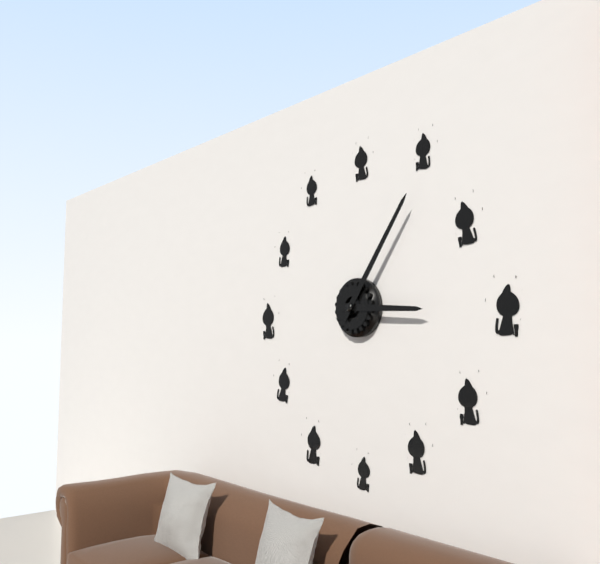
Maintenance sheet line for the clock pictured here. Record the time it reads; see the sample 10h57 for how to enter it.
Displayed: 3h06
